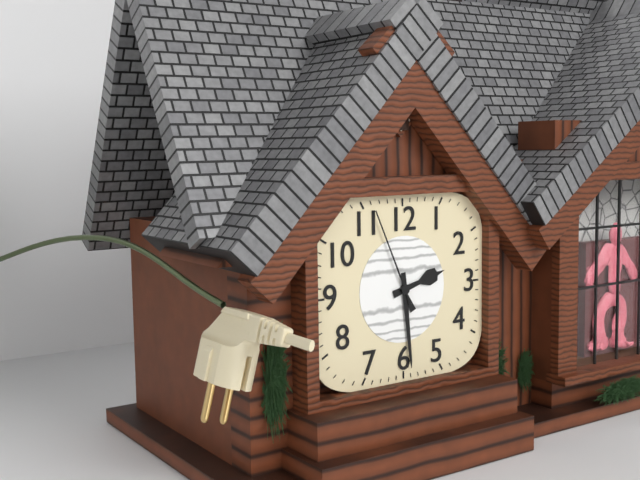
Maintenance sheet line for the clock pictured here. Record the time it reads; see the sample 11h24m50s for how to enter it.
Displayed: 2h29m56s
